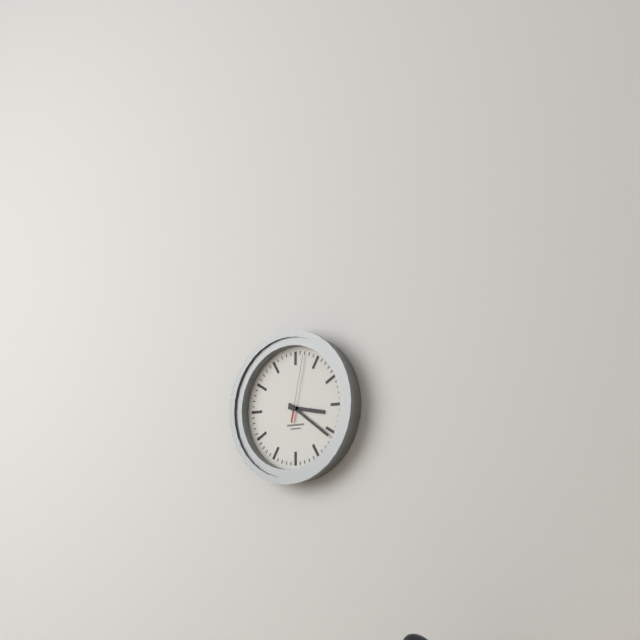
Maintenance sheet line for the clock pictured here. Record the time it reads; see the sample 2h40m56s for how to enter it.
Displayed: 3h21m02s
